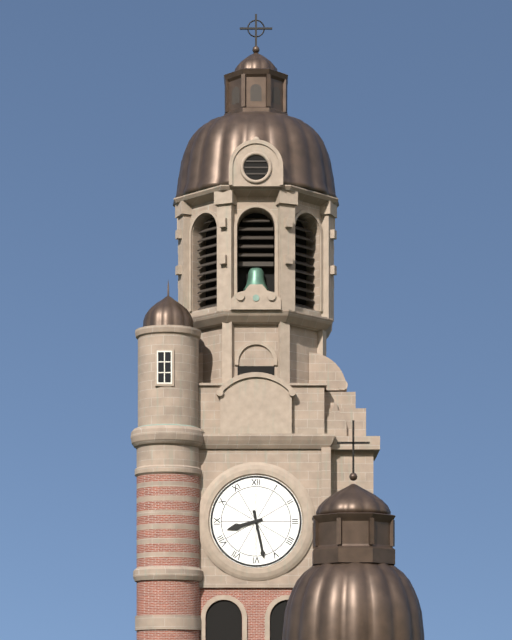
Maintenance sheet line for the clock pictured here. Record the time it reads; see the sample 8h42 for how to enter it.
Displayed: 8h28
